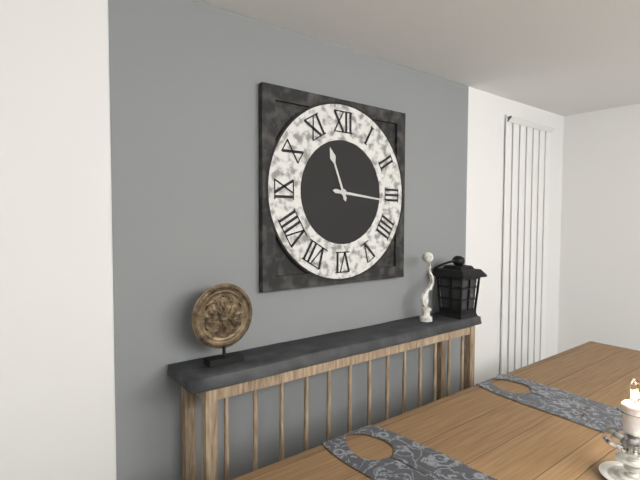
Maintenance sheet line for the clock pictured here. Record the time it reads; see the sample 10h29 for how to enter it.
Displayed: 11h16
